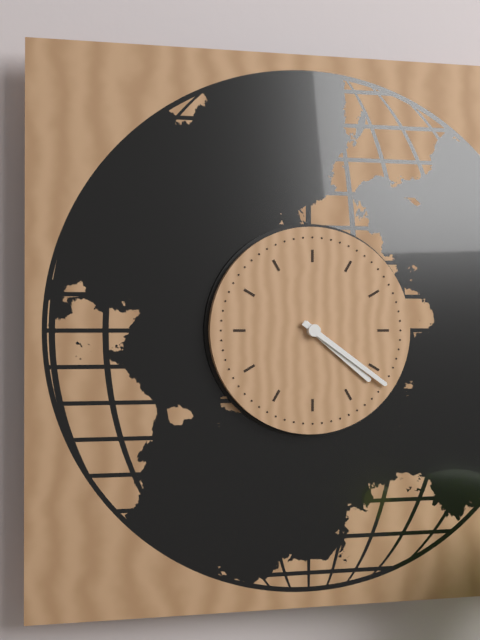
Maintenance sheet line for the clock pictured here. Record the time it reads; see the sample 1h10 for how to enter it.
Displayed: 4h21
